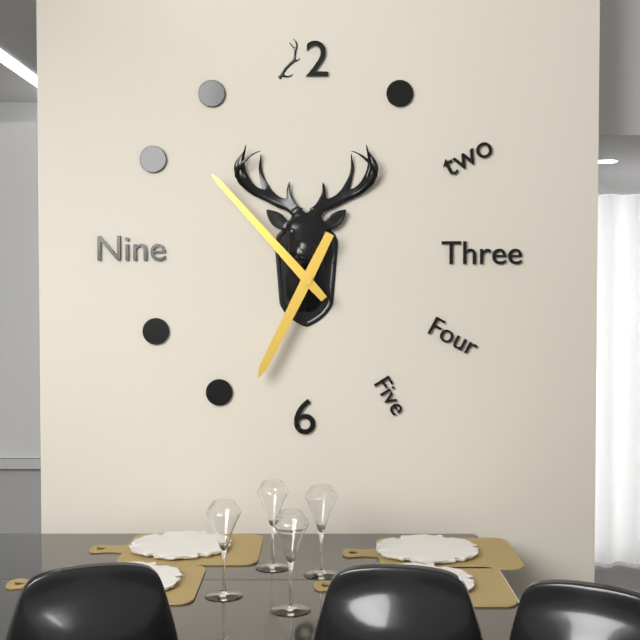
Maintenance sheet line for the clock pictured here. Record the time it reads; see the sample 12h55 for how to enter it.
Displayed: 6h53
